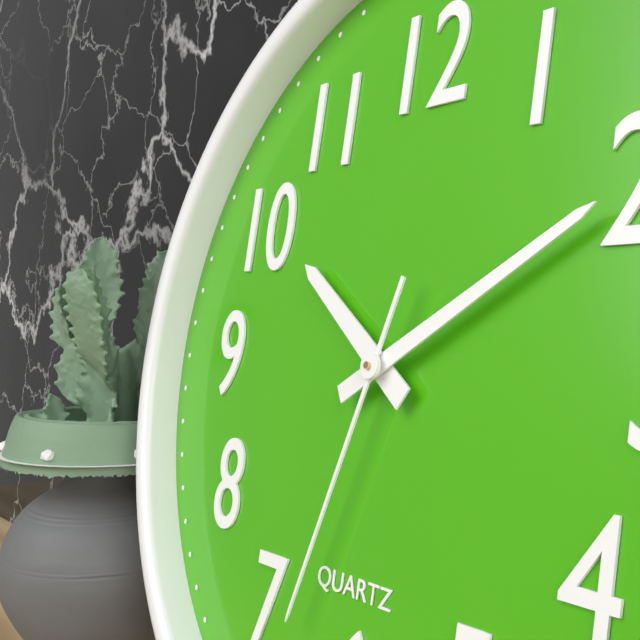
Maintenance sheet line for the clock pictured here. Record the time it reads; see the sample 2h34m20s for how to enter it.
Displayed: 10h10m33s
